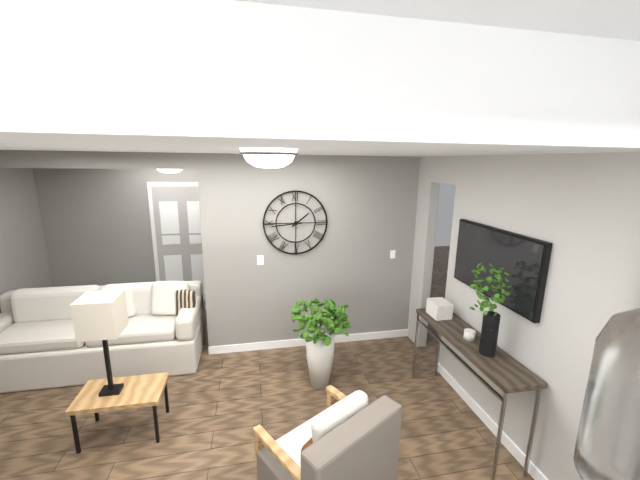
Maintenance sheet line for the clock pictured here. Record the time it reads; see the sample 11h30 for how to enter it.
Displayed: 1h44
